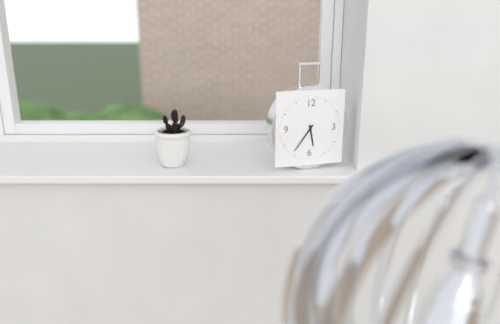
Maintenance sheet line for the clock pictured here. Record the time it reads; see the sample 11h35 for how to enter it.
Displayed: 5h36
